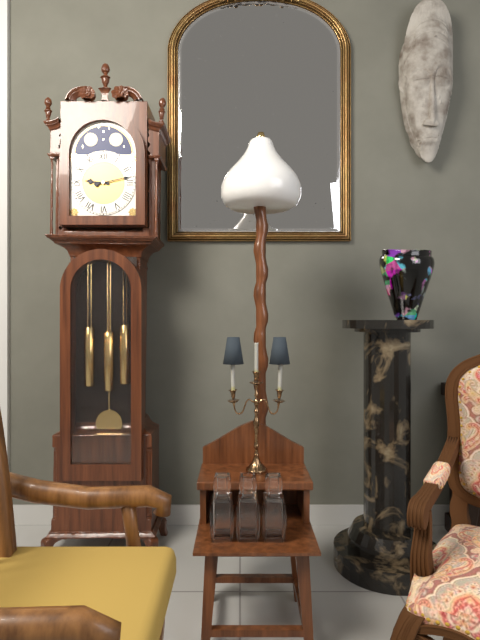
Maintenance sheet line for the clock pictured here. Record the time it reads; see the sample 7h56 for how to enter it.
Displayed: 9h13
